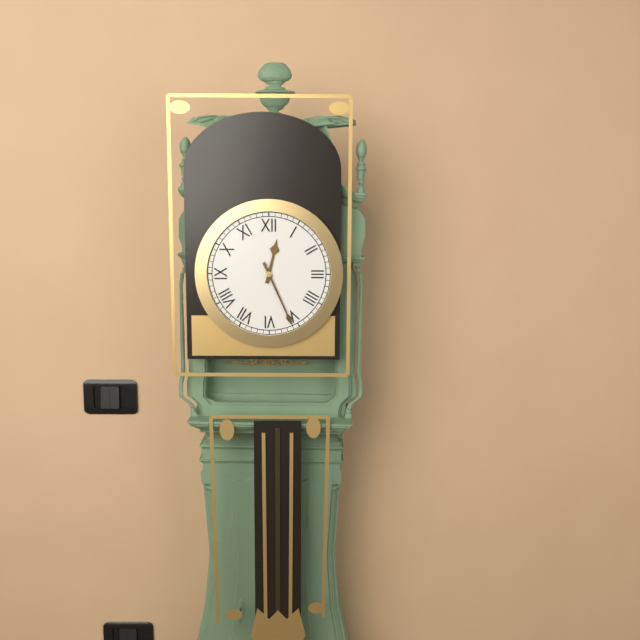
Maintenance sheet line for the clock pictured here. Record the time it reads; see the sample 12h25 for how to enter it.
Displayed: 12h26
